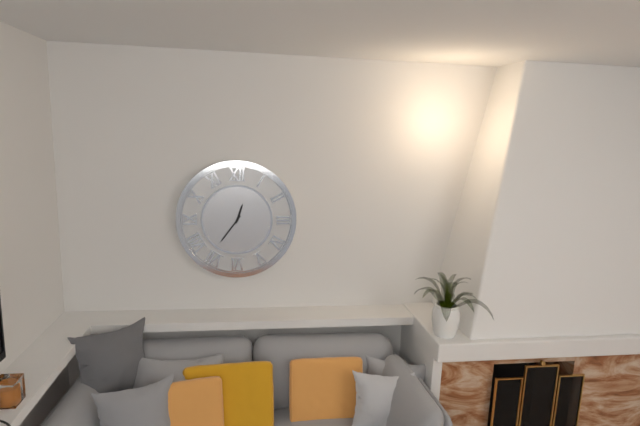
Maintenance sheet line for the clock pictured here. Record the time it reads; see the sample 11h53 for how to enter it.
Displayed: 12h36
